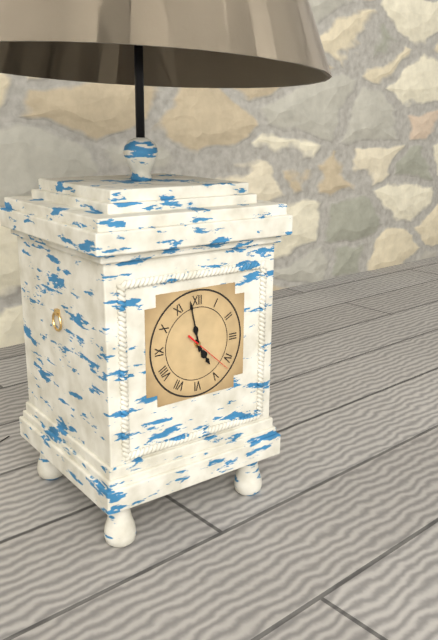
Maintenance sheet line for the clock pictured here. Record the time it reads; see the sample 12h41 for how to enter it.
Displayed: 4h58
